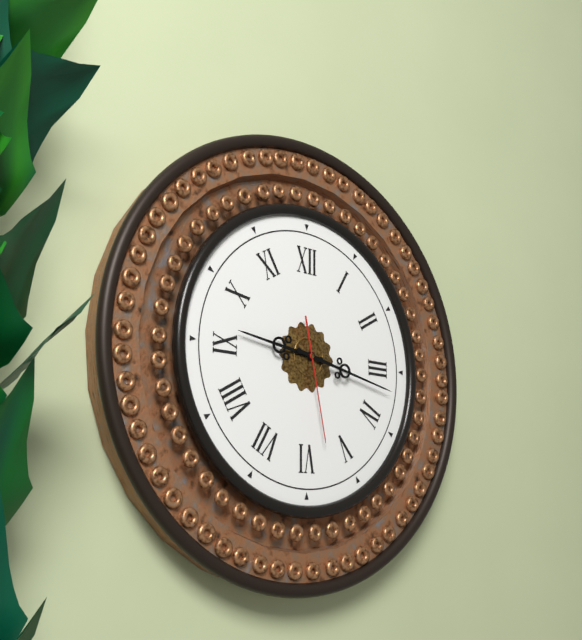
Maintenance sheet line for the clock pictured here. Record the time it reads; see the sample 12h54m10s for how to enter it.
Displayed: 9h17m28s
